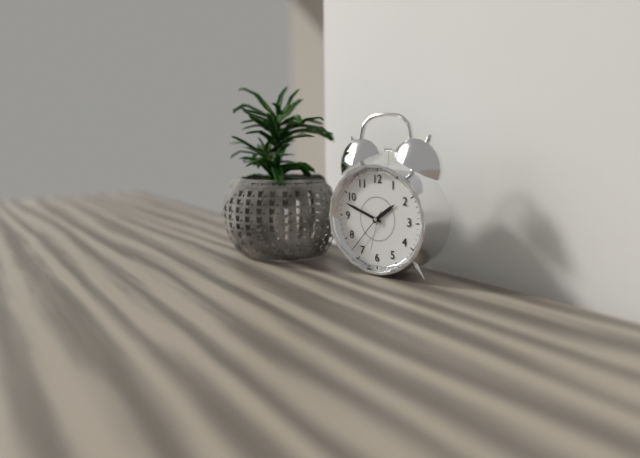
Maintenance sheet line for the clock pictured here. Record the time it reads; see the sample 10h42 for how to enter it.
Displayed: 1h48
